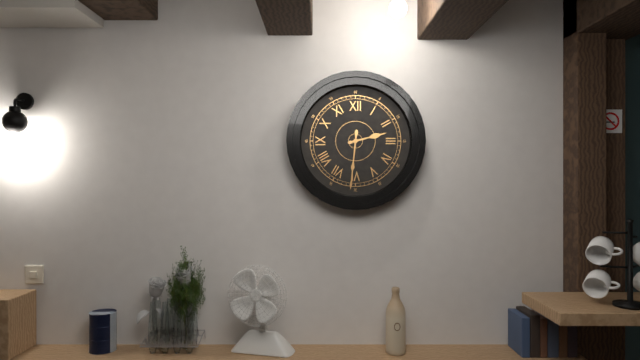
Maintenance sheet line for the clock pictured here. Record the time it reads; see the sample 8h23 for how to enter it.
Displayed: 2h31
